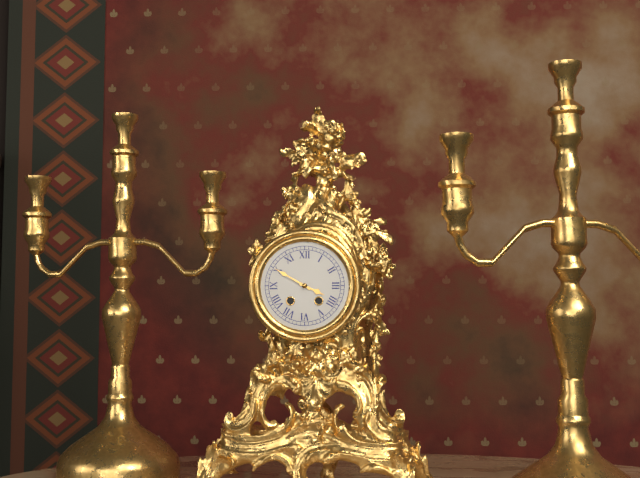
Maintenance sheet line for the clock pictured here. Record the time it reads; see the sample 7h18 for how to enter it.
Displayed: 3h50
